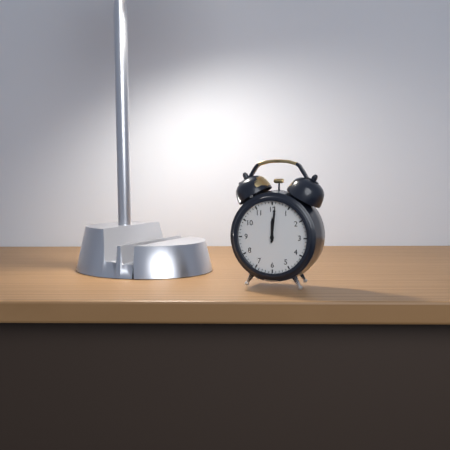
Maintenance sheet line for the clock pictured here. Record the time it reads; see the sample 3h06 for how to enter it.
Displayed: 12h01
